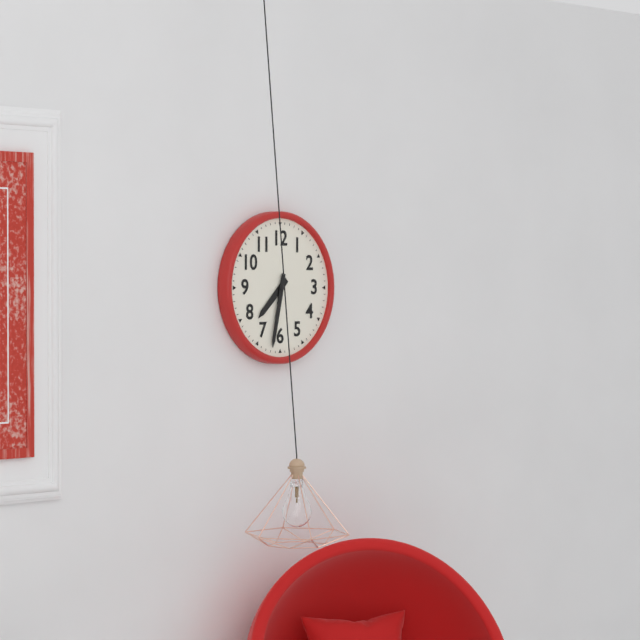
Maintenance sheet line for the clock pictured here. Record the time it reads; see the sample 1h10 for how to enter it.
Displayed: 7h32
